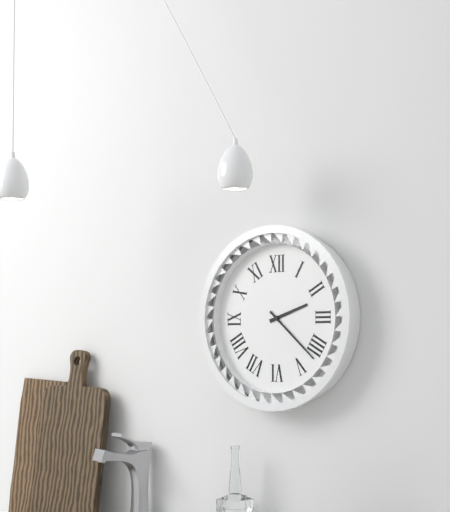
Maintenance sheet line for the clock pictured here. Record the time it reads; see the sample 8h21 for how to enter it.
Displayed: 2h22
